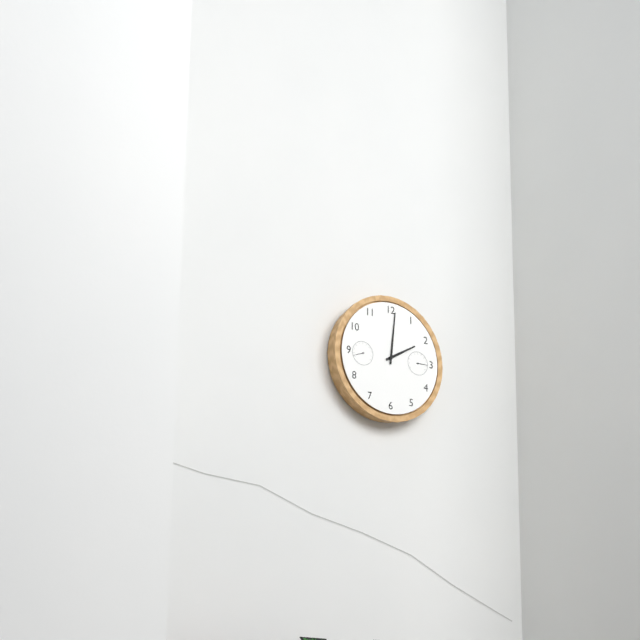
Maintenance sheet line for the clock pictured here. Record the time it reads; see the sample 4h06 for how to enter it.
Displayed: 2h01
